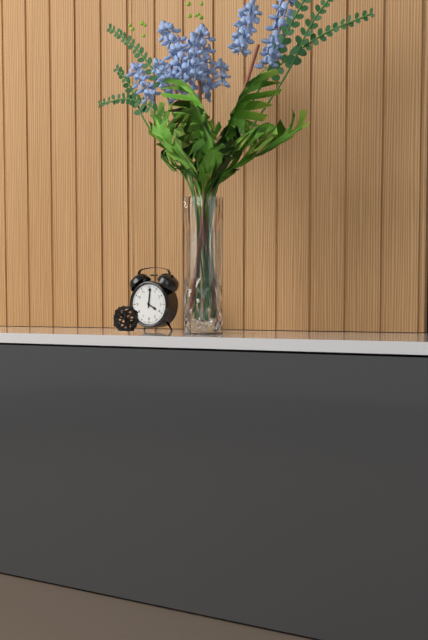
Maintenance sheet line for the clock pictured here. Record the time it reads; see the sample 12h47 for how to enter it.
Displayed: 4h01
